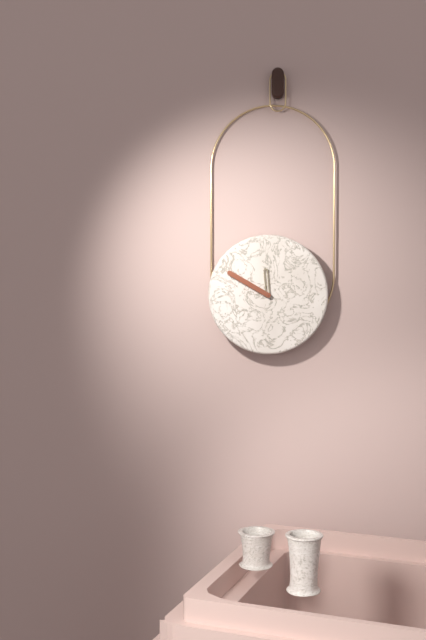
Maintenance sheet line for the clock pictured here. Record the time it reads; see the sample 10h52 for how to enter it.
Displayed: 11h50
